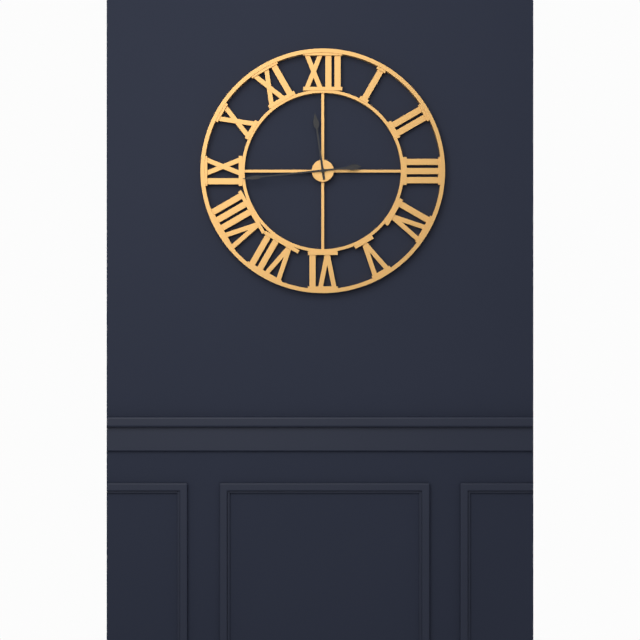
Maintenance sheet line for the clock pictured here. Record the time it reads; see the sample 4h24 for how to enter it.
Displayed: 11h44
